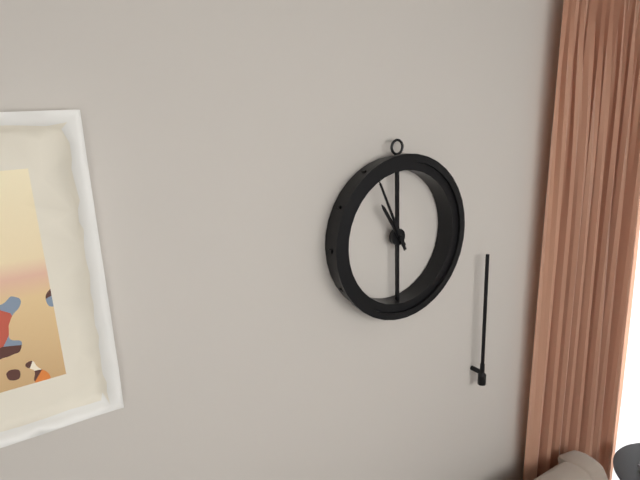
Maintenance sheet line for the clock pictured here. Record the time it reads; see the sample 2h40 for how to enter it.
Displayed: 10h56
